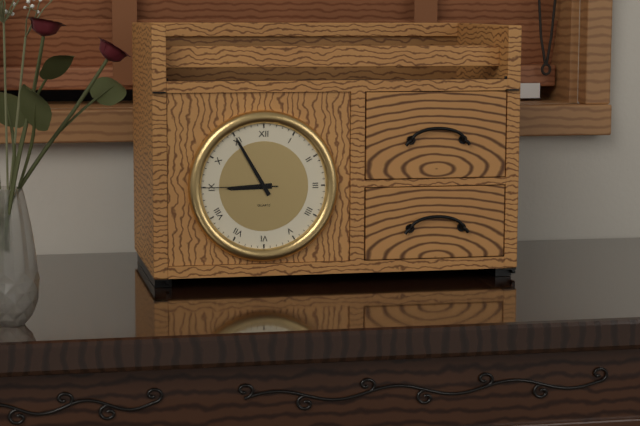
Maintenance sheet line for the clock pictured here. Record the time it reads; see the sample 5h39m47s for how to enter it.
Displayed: 8h55m45s
